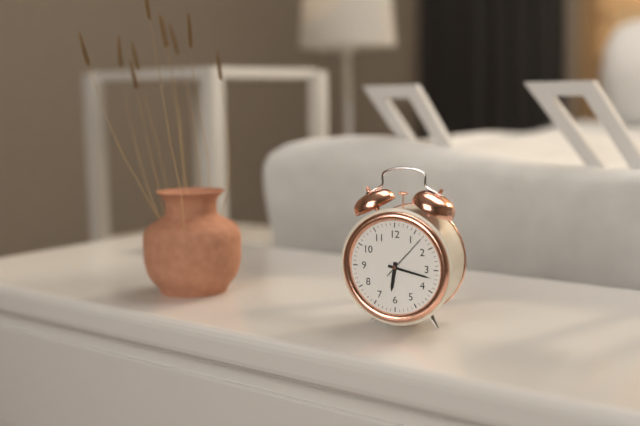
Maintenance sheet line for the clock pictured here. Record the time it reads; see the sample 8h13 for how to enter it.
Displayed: 6h17
